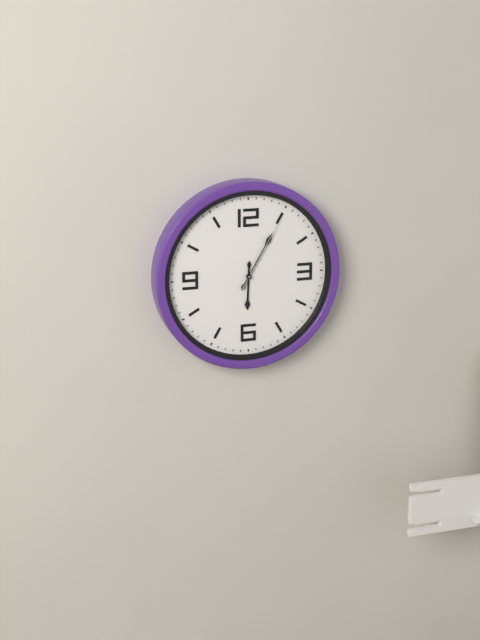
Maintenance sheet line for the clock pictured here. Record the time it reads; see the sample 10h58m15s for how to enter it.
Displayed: 6h05m05s
